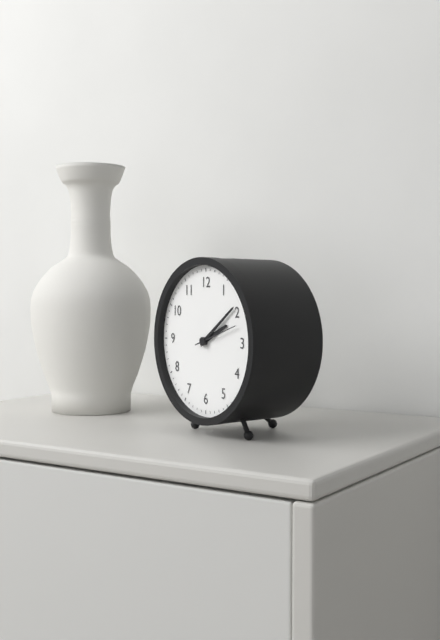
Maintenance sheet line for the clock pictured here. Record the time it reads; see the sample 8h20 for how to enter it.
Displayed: 2h09
